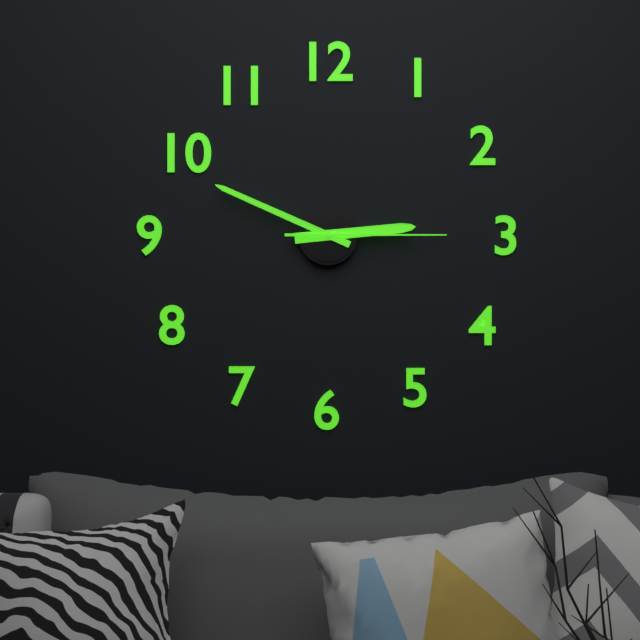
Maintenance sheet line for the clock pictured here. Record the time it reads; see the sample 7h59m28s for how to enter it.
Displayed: 2h49m15s
